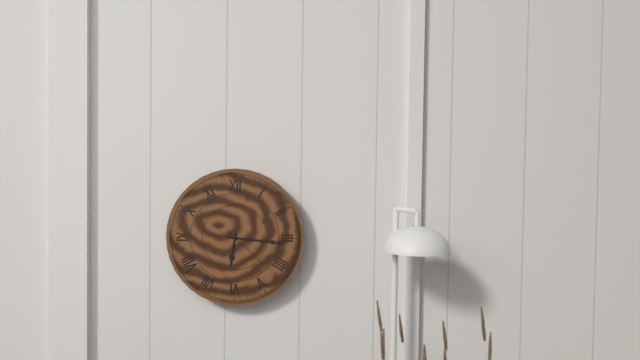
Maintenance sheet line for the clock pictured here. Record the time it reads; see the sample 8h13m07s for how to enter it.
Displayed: 6h16m22s
